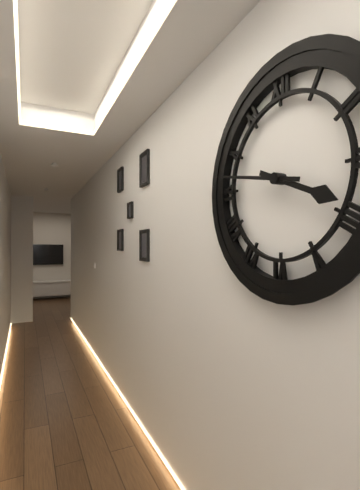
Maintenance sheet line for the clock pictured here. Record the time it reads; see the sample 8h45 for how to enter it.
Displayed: 3h47
